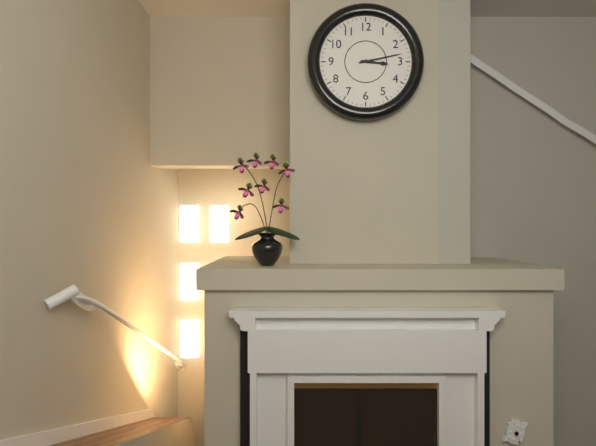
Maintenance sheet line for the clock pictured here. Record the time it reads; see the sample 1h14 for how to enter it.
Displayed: 3h13
